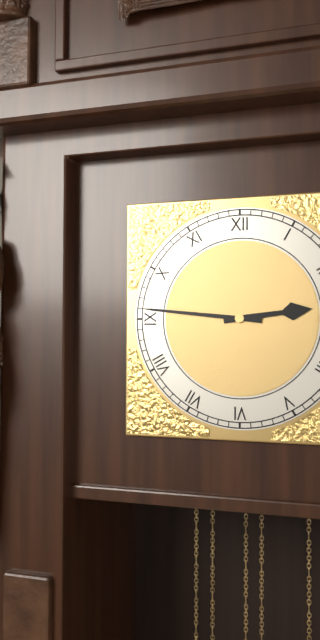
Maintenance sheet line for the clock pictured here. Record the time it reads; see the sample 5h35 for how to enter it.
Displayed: 2h46
